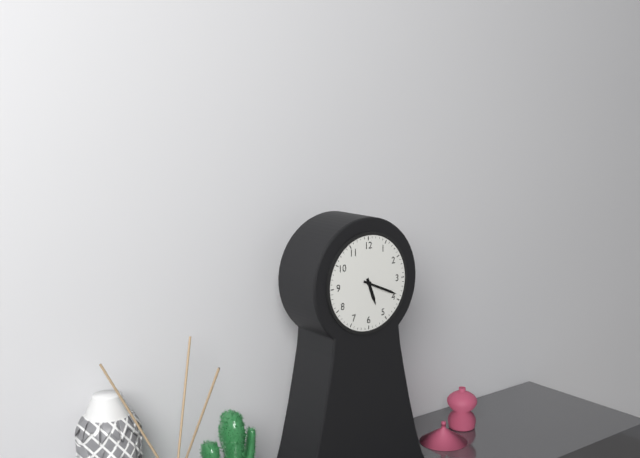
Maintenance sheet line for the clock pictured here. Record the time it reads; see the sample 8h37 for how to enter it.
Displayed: 5h19
